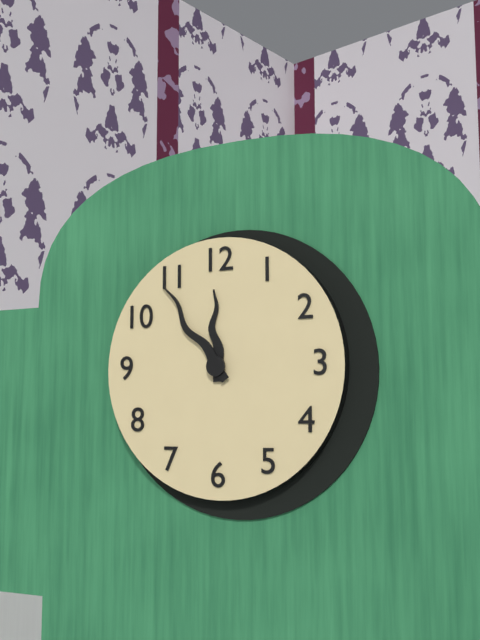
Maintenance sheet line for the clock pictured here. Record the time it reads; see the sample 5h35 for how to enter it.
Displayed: 11h54
